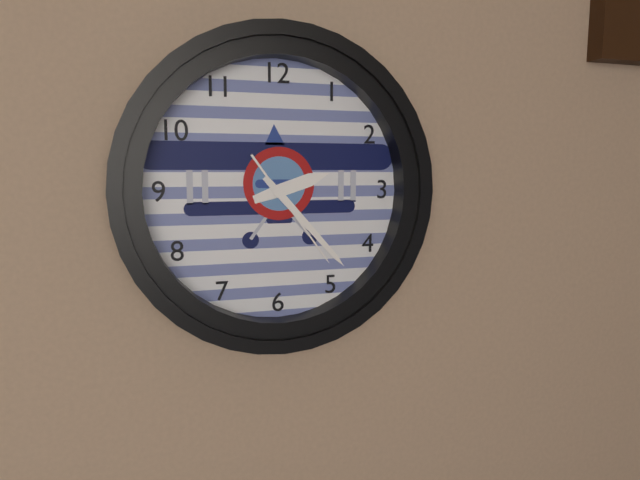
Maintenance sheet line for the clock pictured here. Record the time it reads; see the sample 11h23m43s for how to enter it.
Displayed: 2h23m24s
